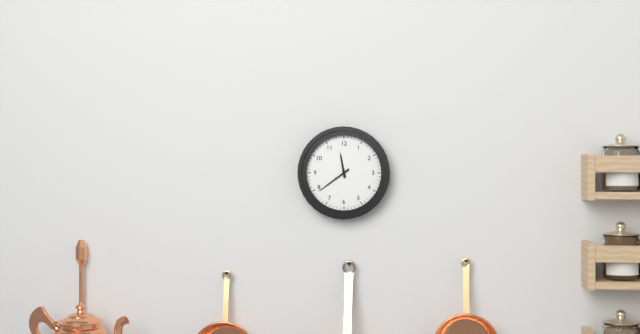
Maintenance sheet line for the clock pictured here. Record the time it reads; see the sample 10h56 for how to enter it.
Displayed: 11h39
